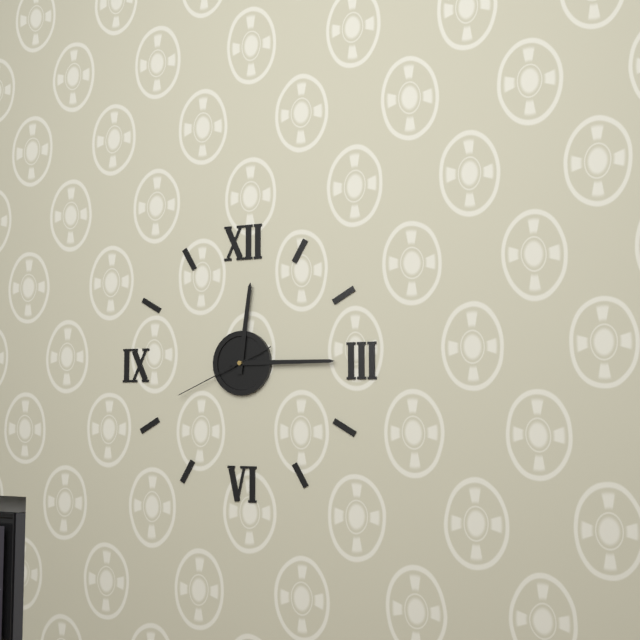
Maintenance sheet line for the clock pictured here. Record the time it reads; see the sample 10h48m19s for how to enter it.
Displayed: 12h15m41s
